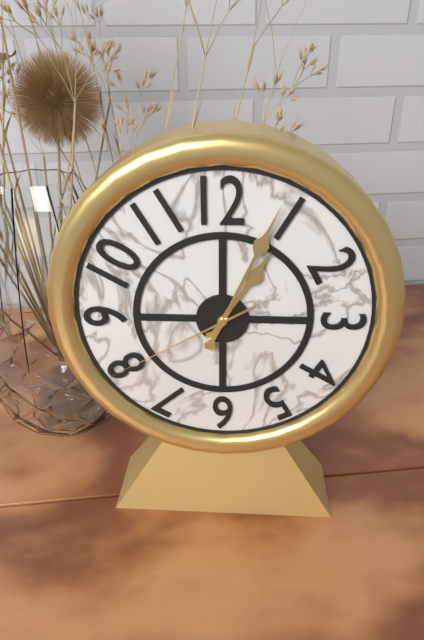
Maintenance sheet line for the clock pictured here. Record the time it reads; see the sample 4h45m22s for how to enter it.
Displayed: 1h04m40s
